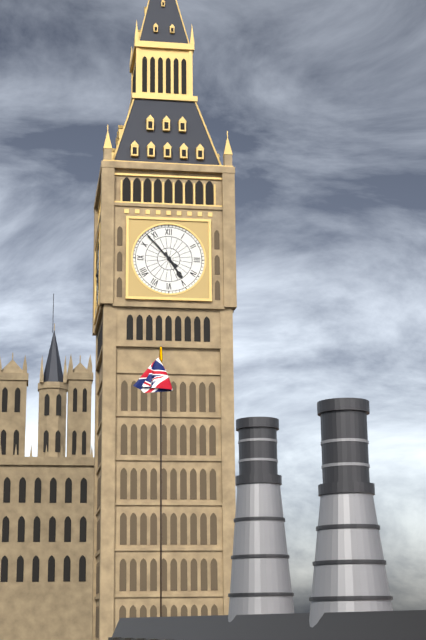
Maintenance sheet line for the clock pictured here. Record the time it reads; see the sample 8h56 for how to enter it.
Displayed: 4h53
